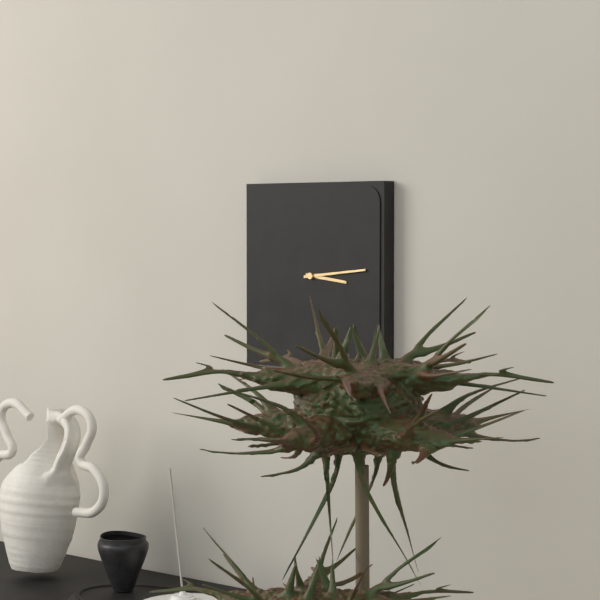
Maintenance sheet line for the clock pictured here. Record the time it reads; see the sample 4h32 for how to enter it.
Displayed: 3h14
